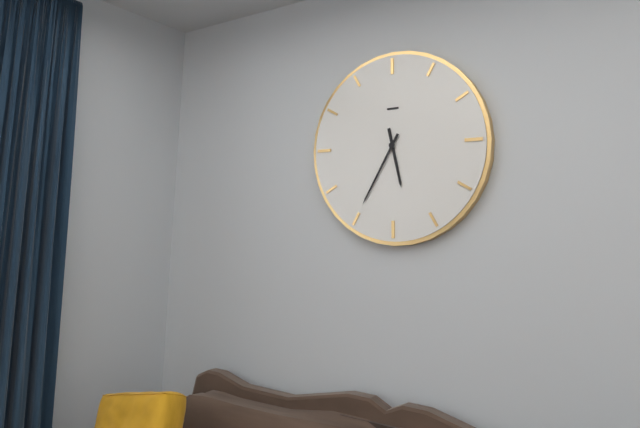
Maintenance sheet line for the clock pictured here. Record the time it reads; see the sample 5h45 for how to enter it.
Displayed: 5h35
